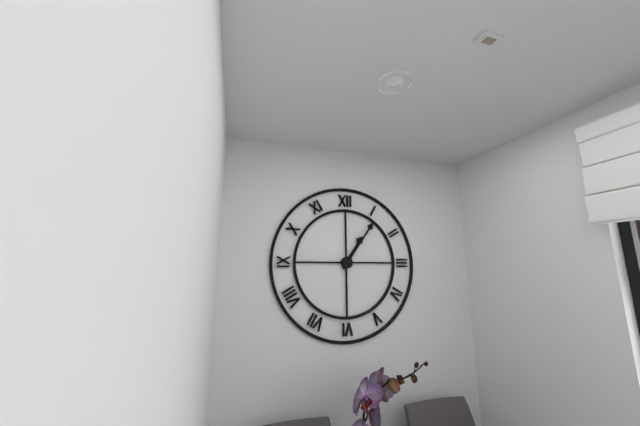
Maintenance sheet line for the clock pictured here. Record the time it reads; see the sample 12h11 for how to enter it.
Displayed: 1h06
